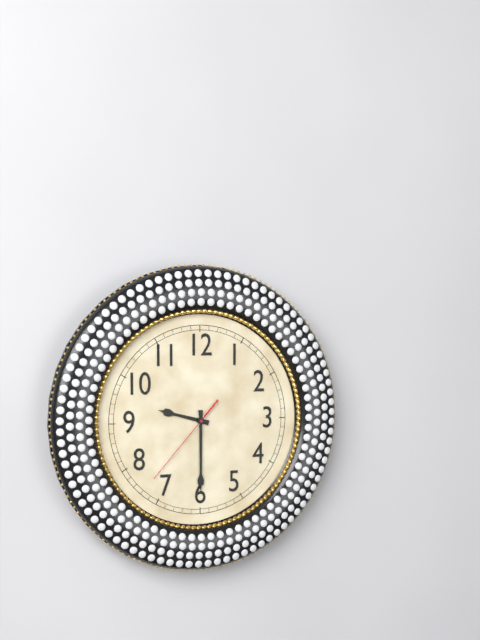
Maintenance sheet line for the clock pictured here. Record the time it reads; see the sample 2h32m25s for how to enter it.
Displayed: 9h30m37s
